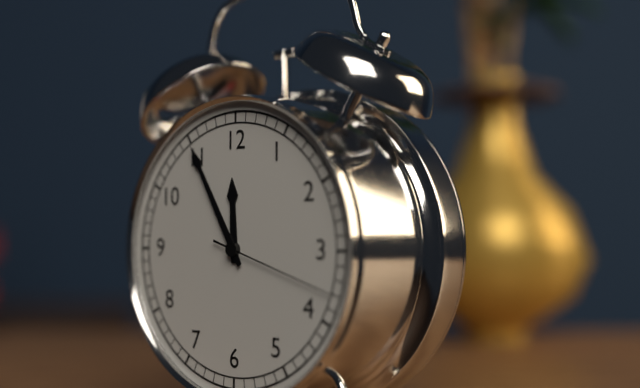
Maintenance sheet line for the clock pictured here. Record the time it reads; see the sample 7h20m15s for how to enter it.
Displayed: 11h55m18s
